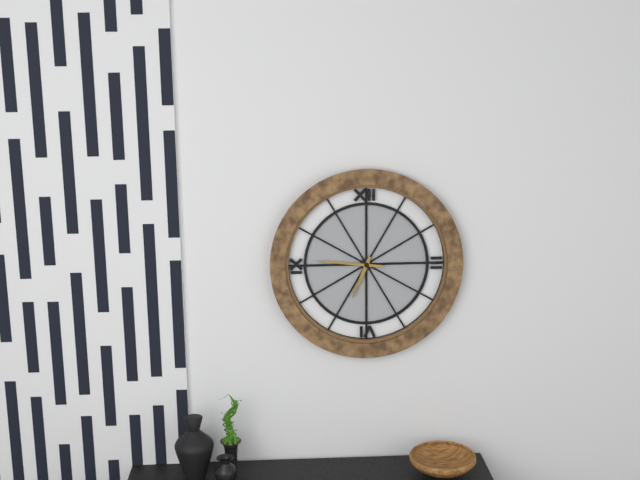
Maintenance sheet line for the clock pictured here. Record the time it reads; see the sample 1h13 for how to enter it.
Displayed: 6h46
